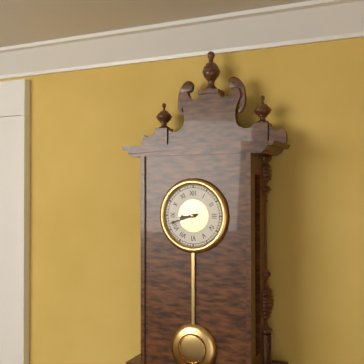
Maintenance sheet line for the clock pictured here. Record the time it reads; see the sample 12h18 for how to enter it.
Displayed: 8h42
